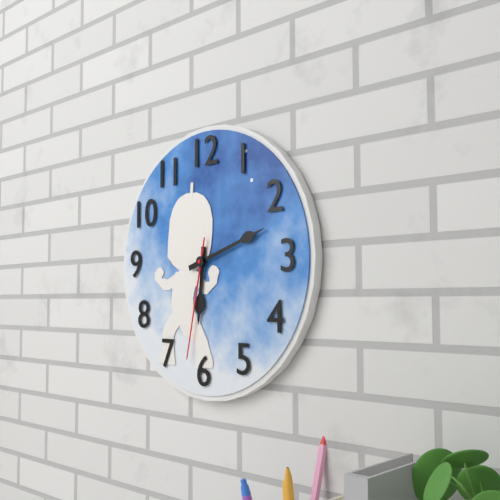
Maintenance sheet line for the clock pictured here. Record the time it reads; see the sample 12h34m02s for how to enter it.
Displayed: 6h12m32s
